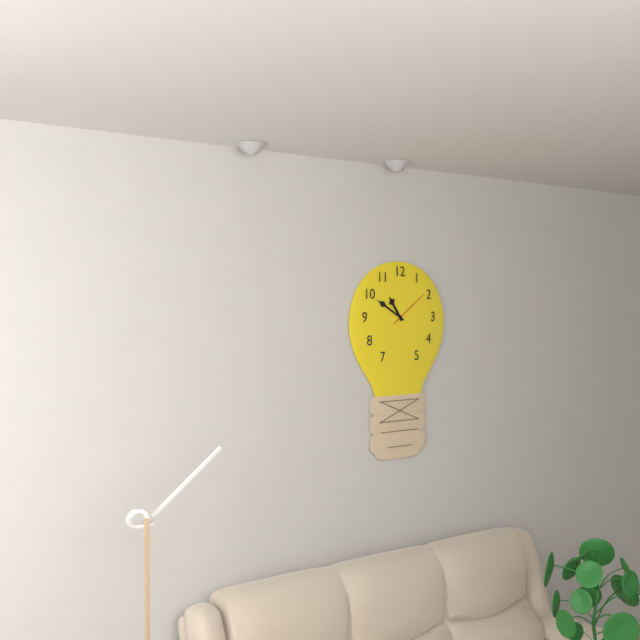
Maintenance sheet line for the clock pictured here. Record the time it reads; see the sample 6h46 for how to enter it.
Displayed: 10h50
